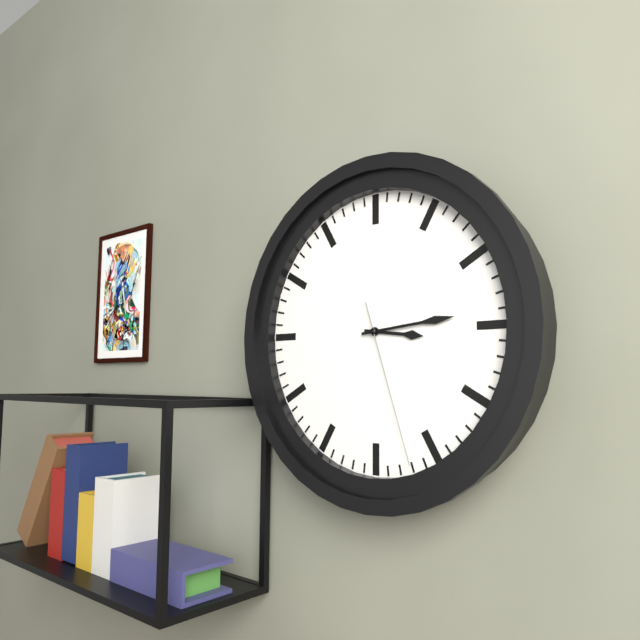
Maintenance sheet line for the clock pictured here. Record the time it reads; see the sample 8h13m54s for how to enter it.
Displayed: 3h14m27s
